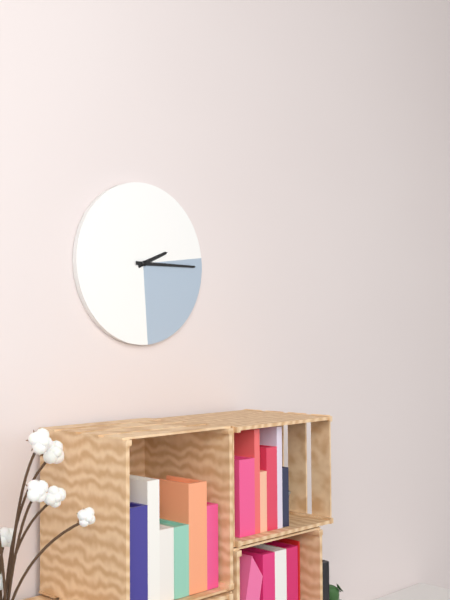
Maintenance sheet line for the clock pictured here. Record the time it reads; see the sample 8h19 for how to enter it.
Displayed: 2h15
